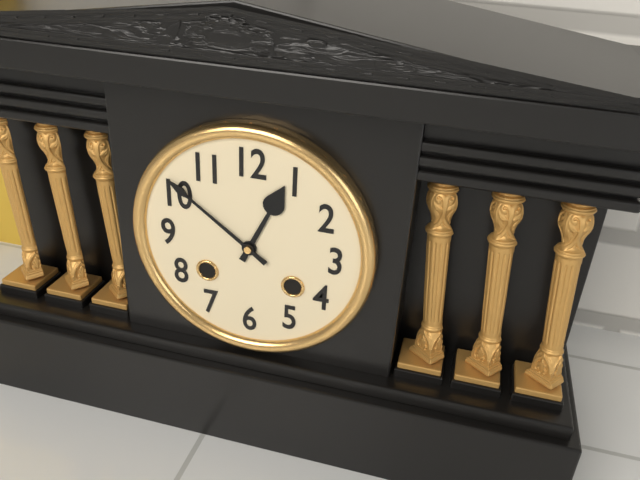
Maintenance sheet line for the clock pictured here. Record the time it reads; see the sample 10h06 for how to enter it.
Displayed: 12h51
